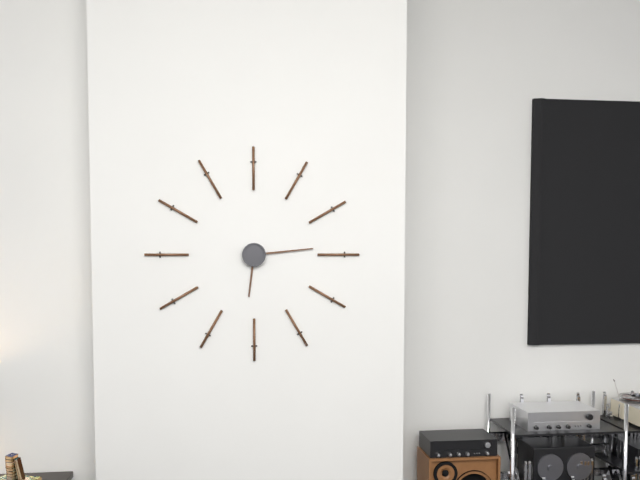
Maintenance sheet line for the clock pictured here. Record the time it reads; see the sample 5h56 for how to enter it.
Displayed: 6h14
